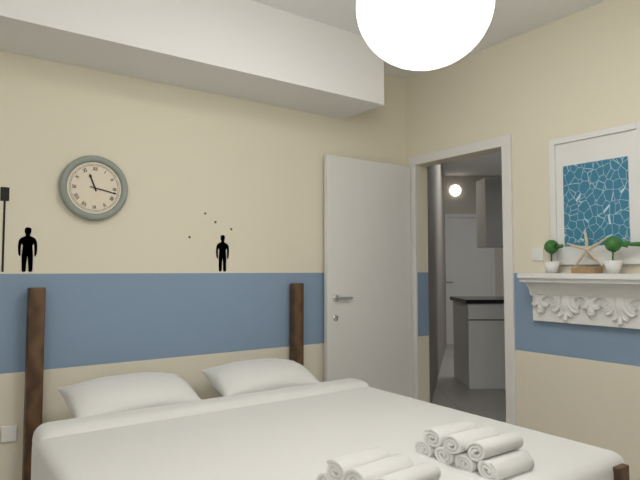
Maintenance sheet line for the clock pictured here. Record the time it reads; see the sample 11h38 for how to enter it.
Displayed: 11h17
